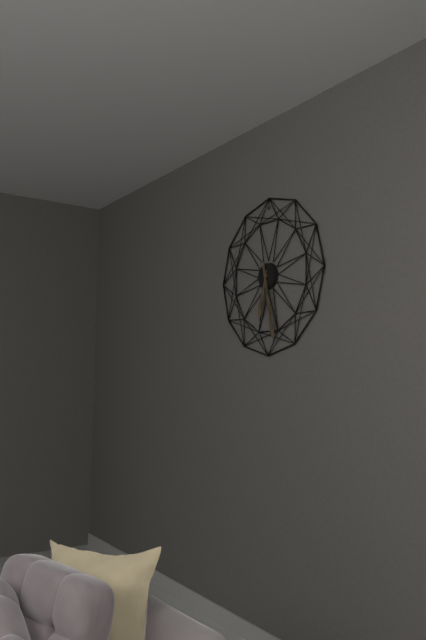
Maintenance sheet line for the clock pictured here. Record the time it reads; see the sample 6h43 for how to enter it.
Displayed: 6h28
